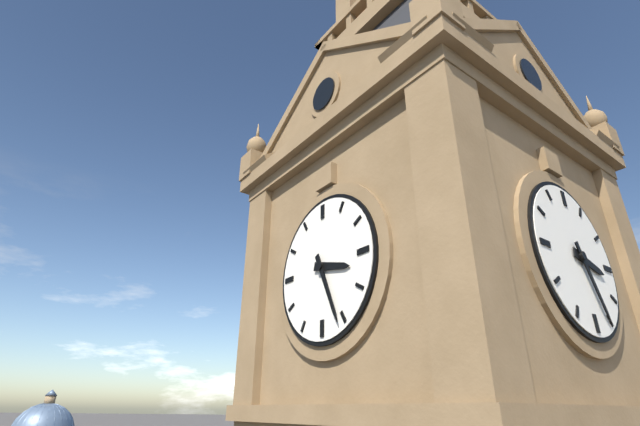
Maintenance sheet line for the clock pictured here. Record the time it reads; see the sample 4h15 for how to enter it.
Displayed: 3h26
